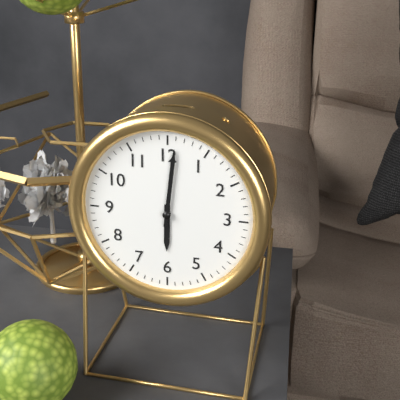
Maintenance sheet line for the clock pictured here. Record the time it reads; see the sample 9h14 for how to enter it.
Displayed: 6h01
